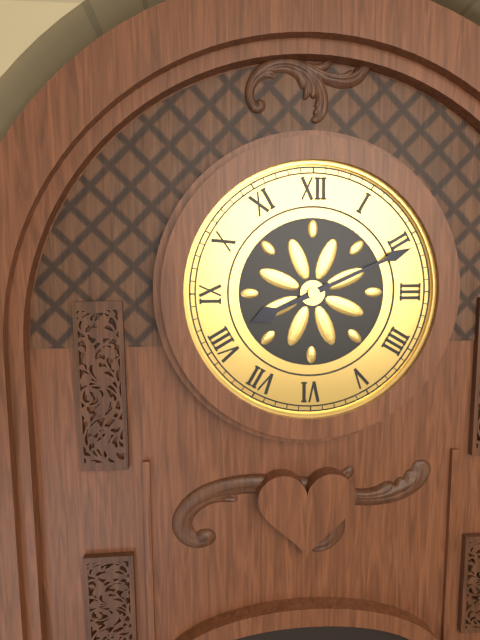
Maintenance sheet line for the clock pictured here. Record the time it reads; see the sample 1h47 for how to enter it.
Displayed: 8h11
